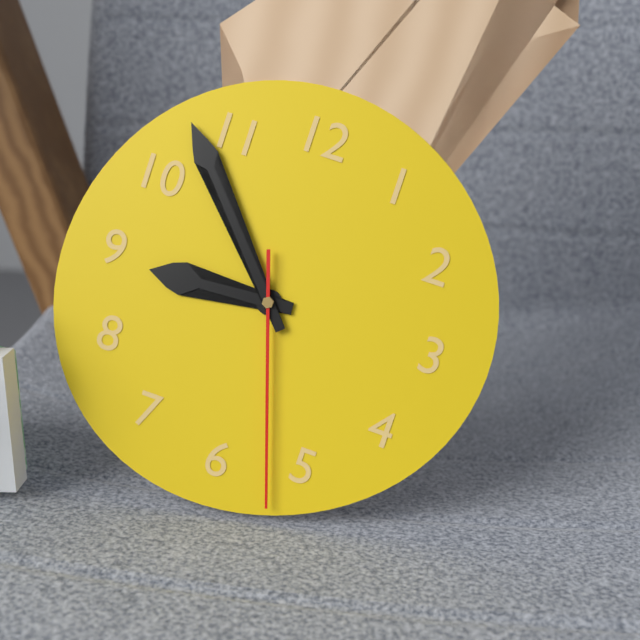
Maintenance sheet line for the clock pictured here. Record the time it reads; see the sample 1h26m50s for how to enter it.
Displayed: 8h53m27s
